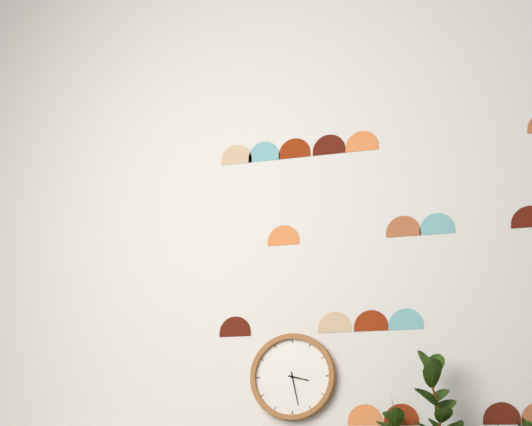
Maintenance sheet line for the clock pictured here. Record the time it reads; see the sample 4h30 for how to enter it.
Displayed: 3h28
